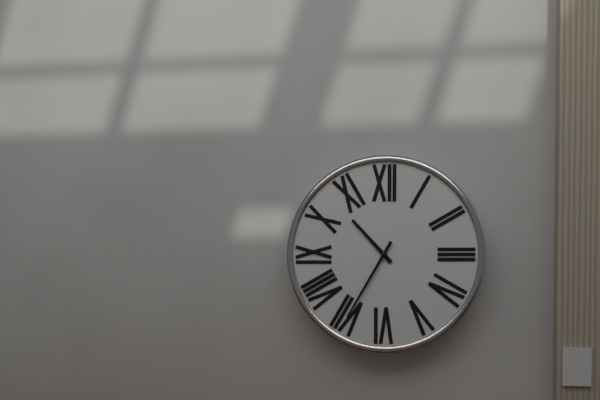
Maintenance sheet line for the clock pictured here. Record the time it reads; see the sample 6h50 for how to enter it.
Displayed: 10h35
